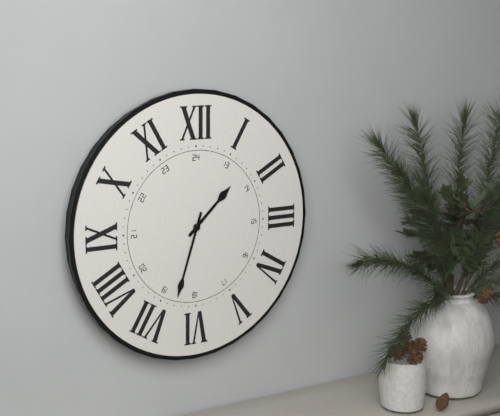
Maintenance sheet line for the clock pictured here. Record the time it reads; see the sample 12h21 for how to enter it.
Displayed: 1h33
